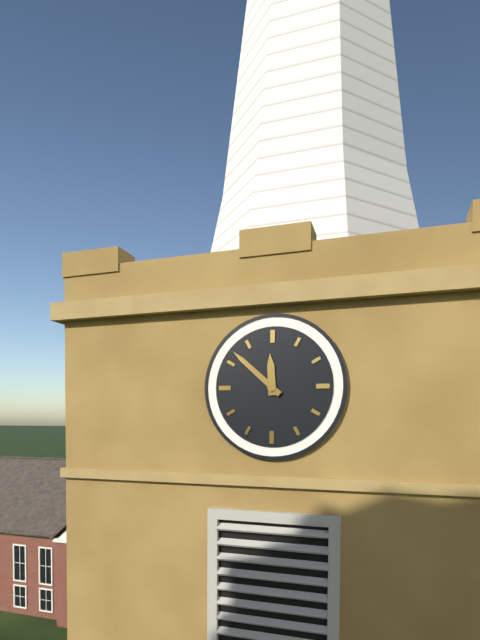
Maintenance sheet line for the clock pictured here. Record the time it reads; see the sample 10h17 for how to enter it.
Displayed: 11h52
